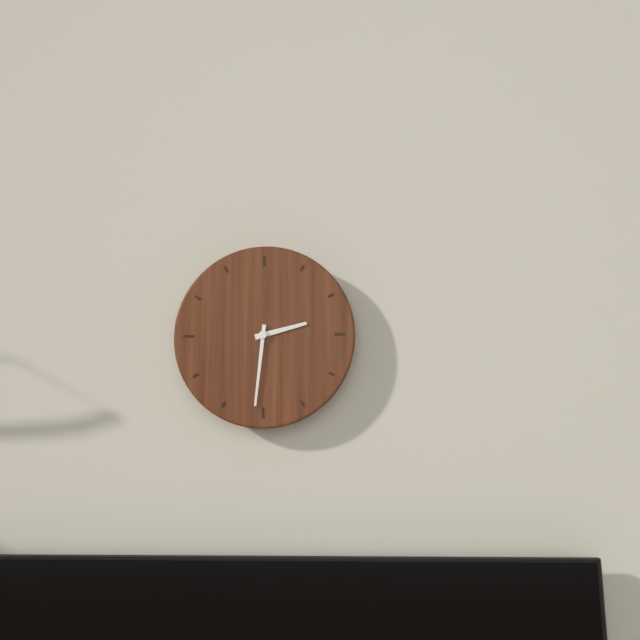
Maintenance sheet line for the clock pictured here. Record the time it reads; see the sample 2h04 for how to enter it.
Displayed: 2h31
